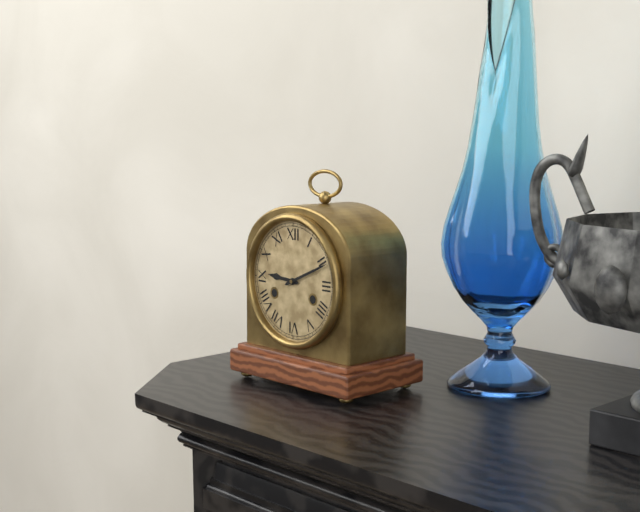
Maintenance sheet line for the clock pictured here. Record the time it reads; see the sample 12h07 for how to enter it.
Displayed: 9h11
